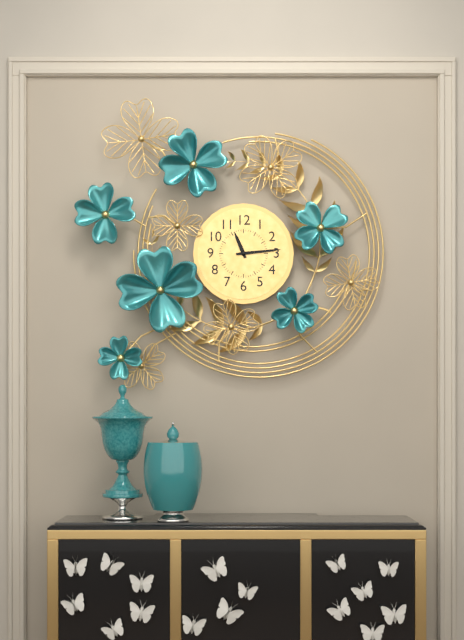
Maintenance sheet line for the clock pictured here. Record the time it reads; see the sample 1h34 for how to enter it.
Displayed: 11h14
